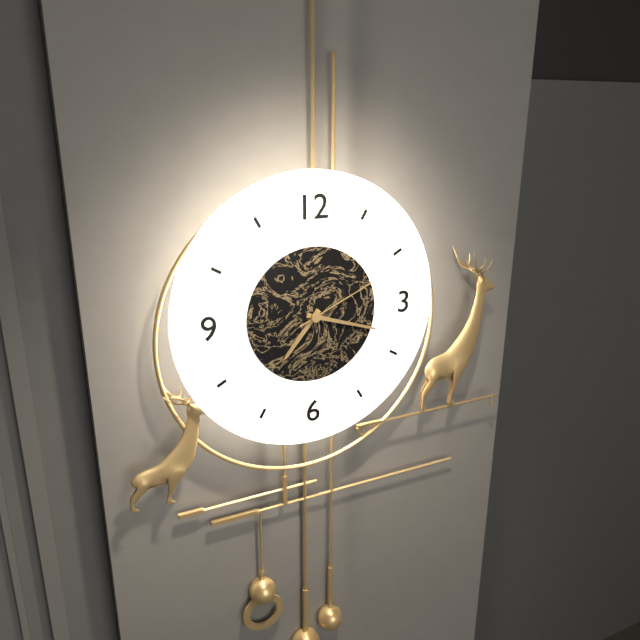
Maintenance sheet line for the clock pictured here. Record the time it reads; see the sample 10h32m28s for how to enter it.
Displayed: 7h18m11s
